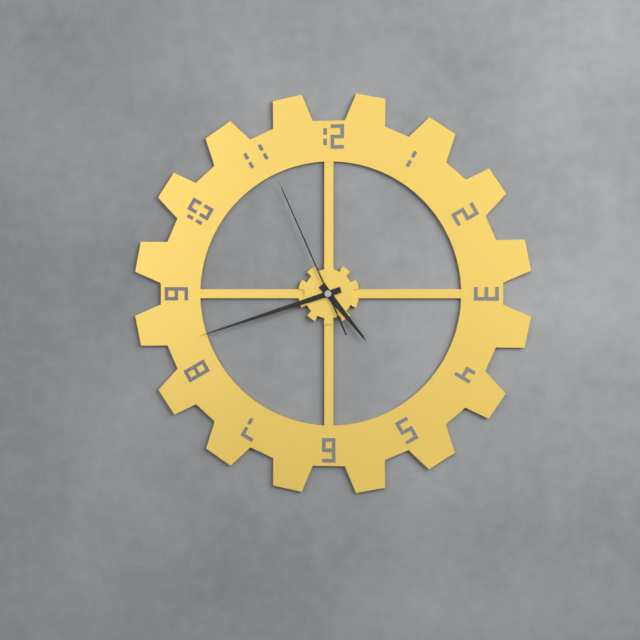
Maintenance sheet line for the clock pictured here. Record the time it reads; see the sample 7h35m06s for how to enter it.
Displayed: 4h42m56s
